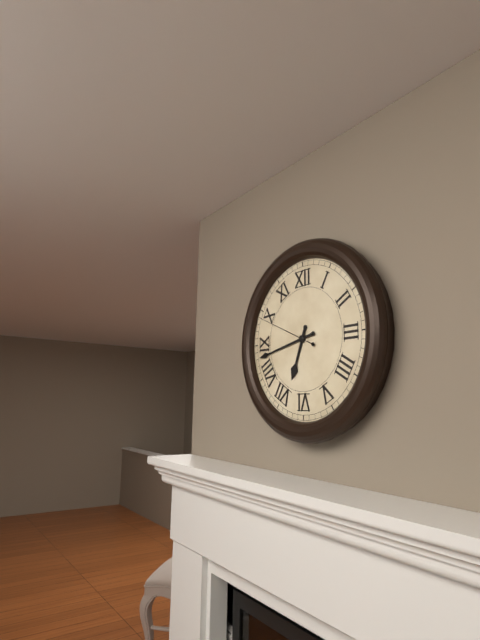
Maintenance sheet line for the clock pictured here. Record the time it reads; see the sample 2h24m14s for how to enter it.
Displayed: 6h43m49s
